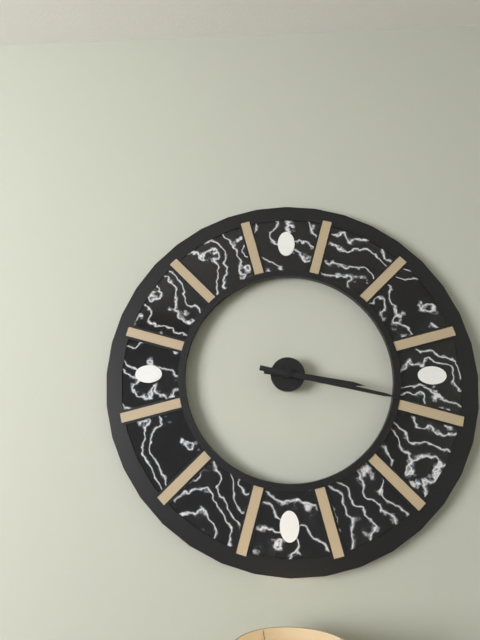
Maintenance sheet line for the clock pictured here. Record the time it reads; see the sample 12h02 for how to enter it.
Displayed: 3h17
